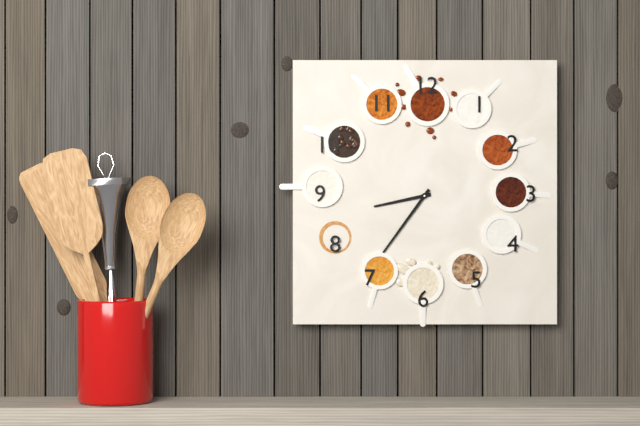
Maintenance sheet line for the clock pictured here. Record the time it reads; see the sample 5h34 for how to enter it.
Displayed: 8h36
